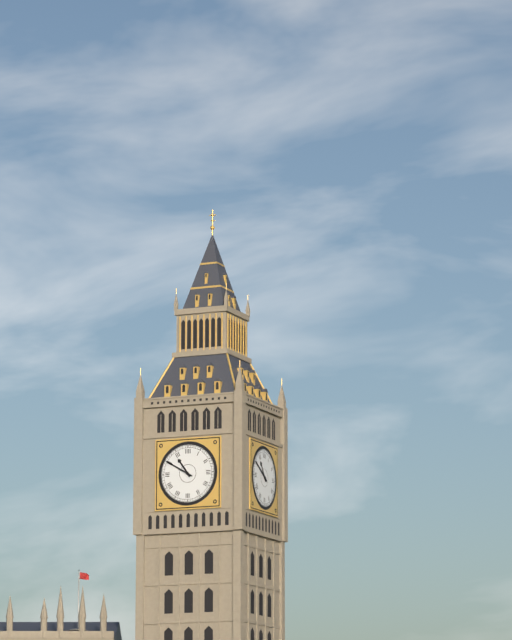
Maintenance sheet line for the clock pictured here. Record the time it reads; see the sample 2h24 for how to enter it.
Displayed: 10h50
